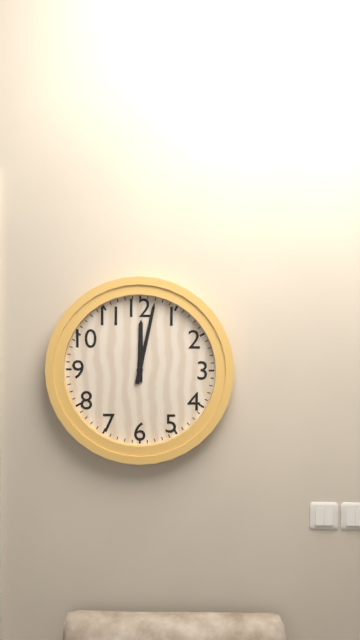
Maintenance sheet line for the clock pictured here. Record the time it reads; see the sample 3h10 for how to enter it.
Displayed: 12h02
